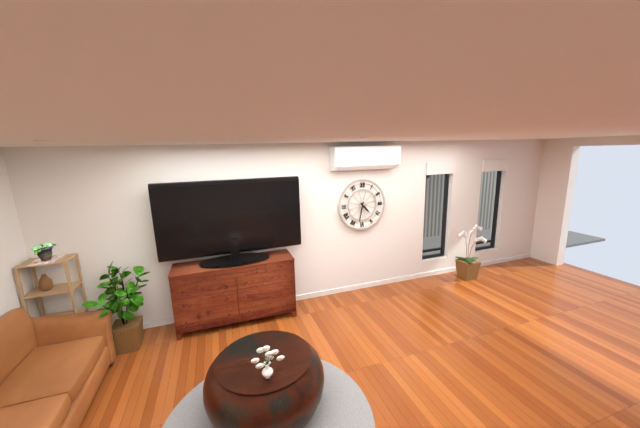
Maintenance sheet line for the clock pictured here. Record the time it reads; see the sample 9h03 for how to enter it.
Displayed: 4h32
